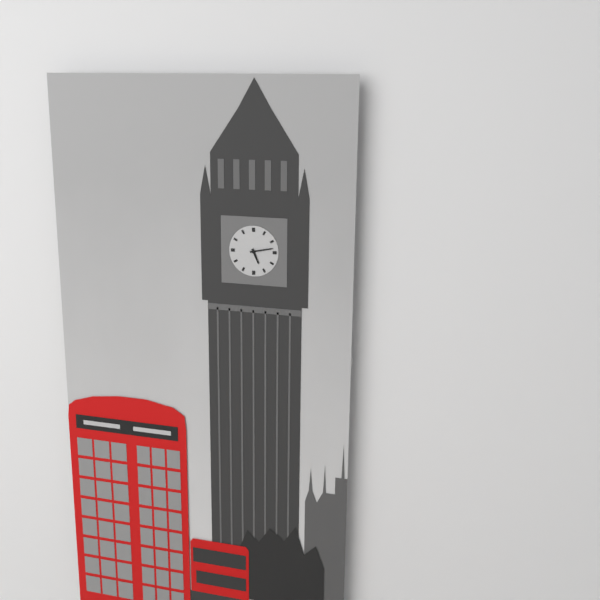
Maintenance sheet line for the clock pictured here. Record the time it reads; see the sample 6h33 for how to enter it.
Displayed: 5h13
